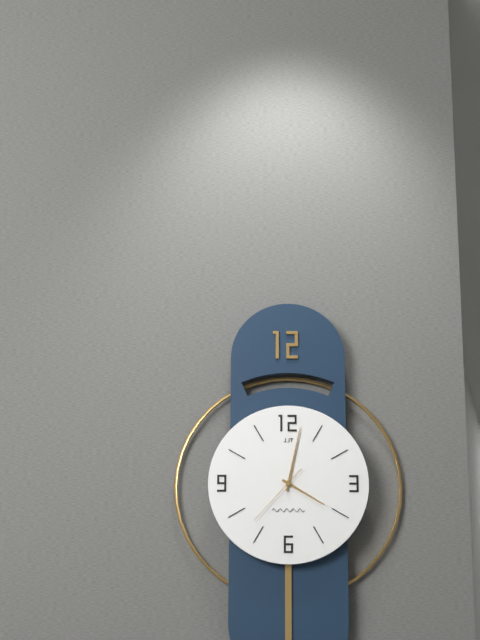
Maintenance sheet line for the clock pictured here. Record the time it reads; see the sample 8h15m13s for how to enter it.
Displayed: 4h02m37s
